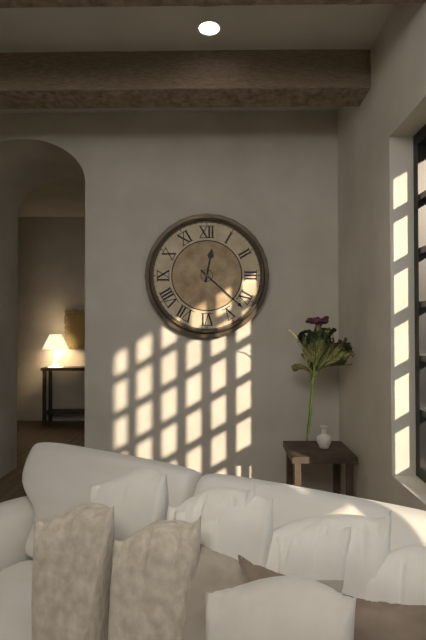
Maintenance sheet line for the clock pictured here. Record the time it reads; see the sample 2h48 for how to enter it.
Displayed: 12h22
